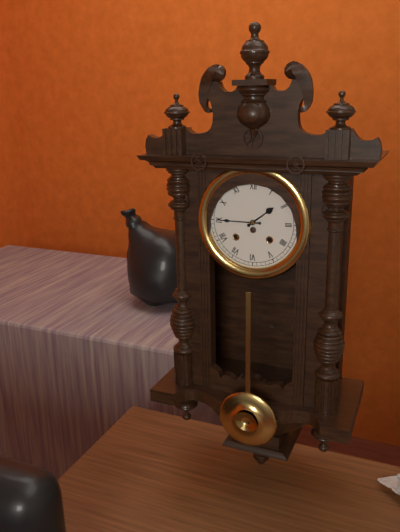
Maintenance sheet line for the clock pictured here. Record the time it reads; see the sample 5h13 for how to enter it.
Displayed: 1h45
